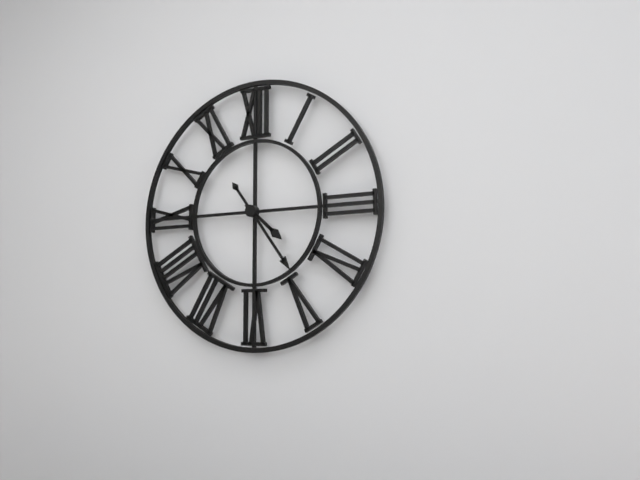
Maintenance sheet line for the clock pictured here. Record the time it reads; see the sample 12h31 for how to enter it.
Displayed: 4h24
